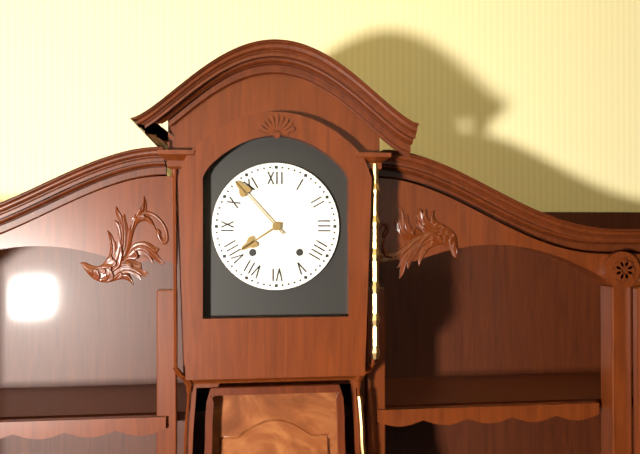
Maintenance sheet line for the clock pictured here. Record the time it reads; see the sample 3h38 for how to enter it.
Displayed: 7h53
